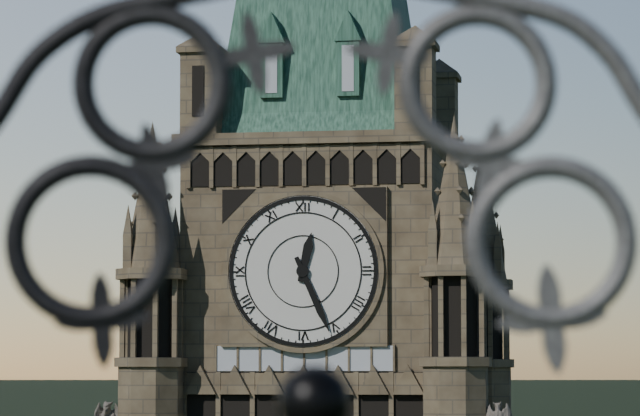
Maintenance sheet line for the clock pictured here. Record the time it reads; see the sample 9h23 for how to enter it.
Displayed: 12h26
